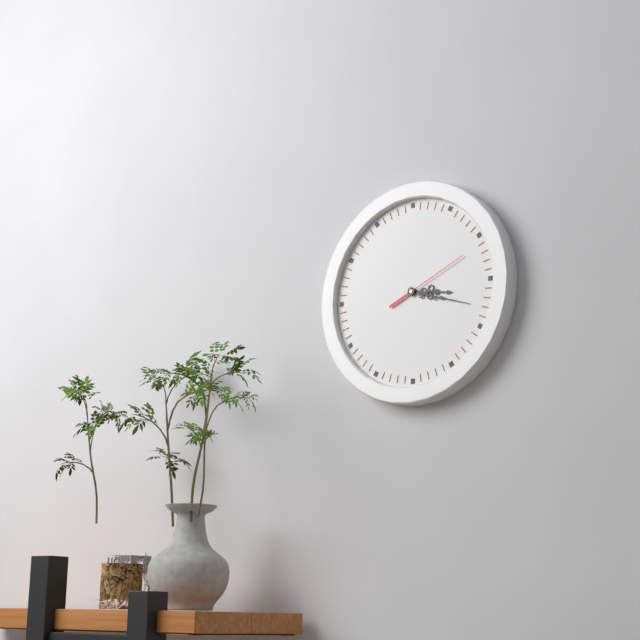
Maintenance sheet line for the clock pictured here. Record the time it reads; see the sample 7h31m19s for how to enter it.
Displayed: 3h18m11s
